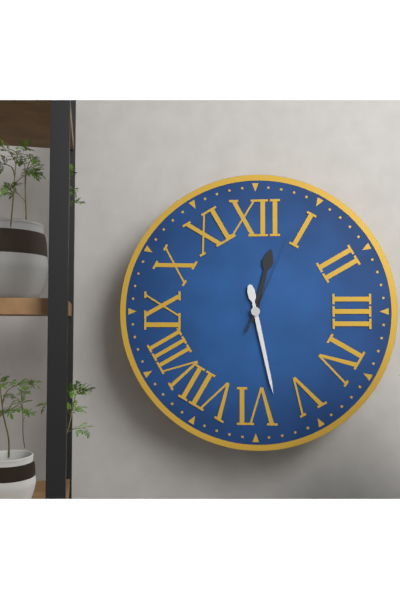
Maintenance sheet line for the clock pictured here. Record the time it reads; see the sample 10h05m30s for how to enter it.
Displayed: 12h28m04s
